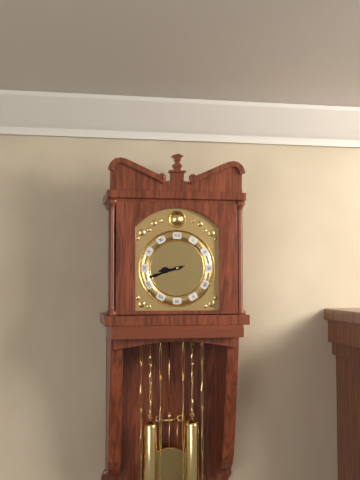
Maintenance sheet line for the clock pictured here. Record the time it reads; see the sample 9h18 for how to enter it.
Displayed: 8h42
